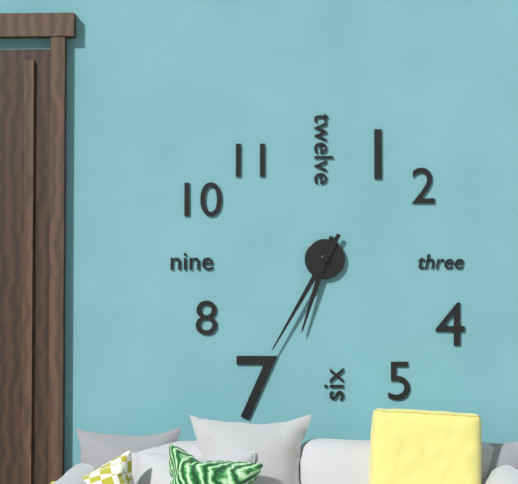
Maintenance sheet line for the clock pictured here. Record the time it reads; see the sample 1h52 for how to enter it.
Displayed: 6h35
